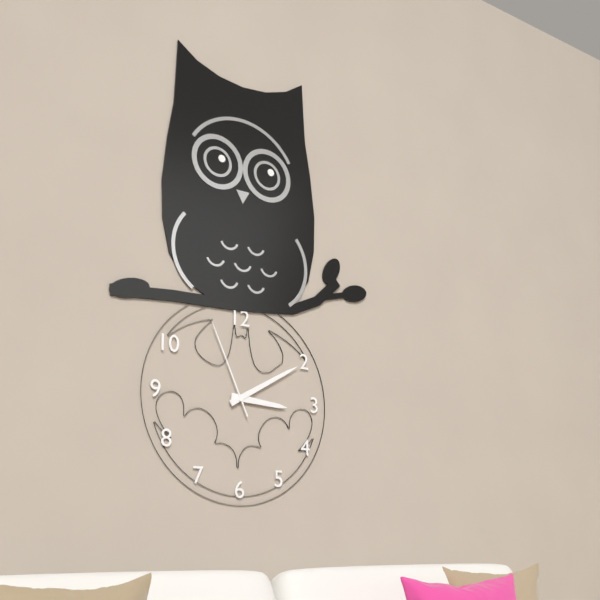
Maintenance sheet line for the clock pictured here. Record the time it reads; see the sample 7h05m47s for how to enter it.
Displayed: 3h10m56s
